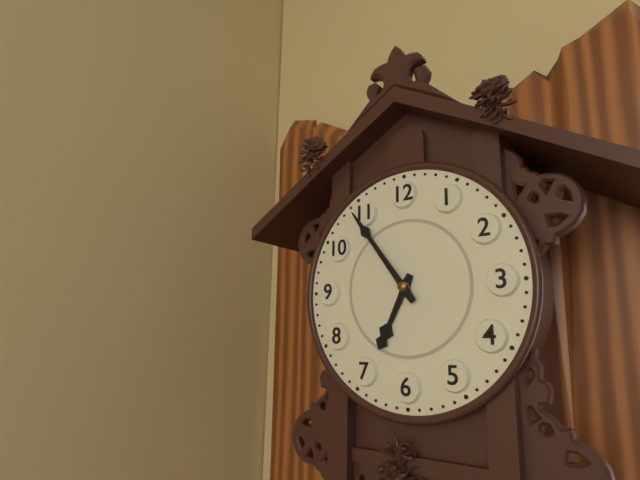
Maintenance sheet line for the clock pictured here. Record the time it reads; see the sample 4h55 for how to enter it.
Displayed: 6h54
